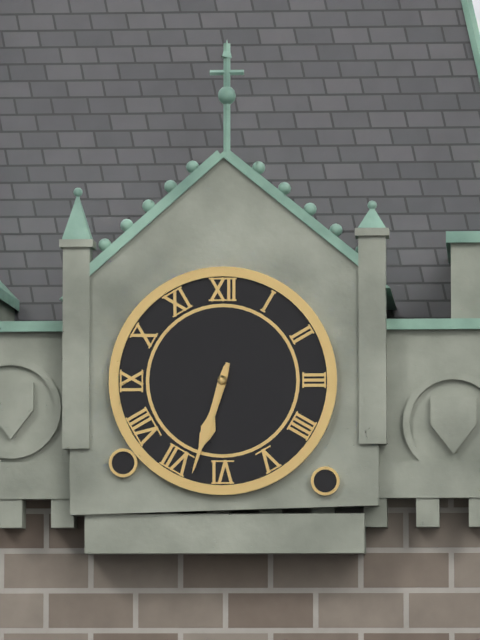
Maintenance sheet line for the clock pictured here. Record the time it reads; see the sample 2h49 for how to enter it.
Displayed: 6h33
